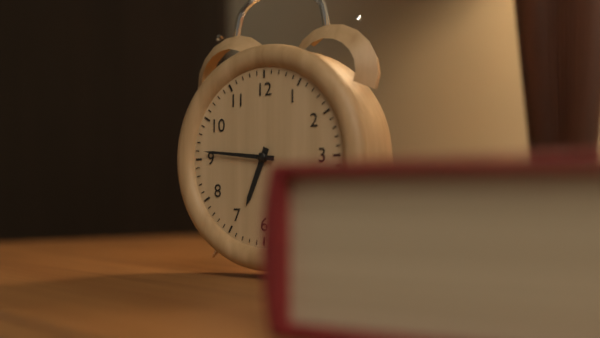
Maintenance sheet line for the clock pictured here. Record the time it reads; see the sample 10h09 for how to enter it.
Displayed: 6h46
